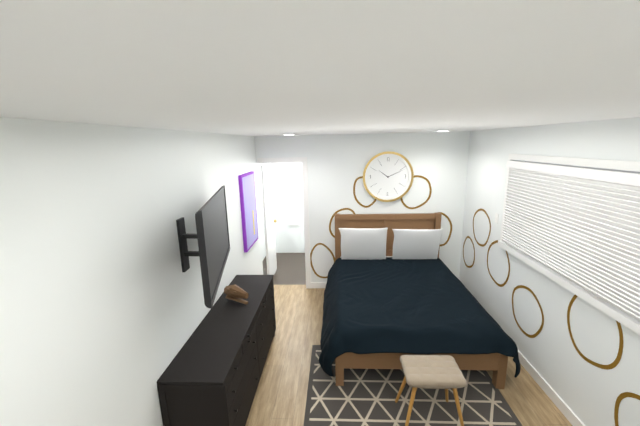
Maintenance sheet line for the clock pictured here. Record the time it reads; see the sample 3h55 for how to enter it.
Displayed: 10h11
